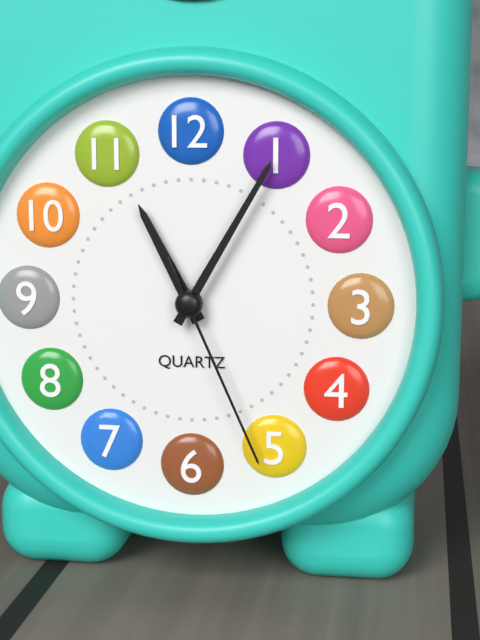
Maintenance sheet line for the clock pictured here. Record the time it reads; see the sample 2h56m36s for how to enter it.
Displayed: 11h05m26s
